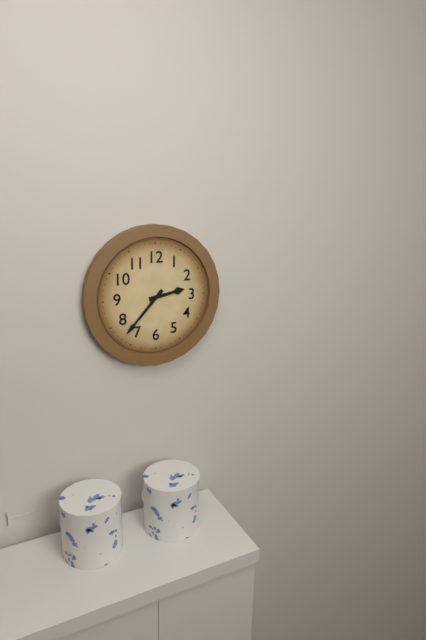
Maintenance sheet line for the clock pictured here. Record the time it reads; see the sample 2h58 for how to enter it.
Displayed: 2h37
